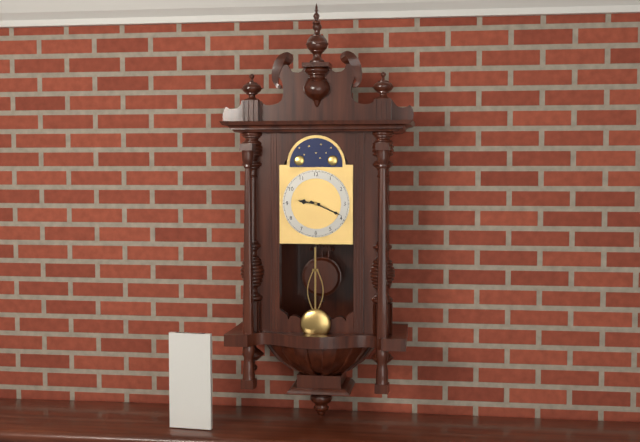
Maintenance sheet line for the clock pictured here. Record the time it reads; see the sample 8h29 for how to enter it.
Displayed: 9h19
